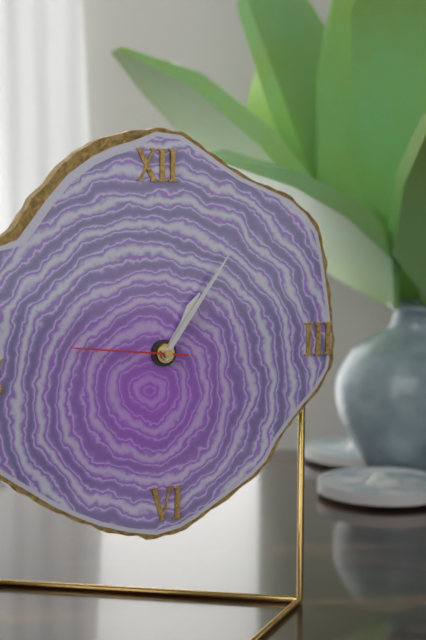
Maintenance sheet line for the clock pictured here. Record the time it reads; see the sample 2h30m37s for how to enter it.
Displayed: 1h06m46s
